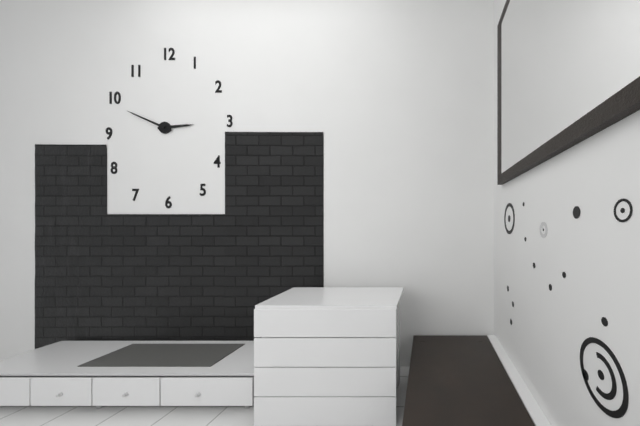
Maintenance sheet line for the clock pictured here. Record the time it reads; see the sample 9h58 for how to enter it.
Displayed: 2h49
